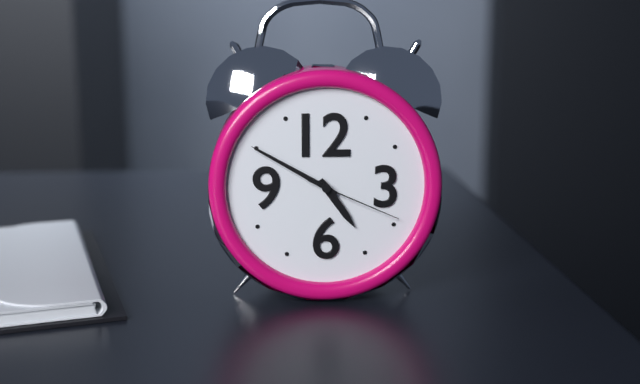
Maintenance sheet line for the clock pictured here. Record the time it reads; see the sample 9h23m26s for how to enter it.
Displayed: 4h50m19s
